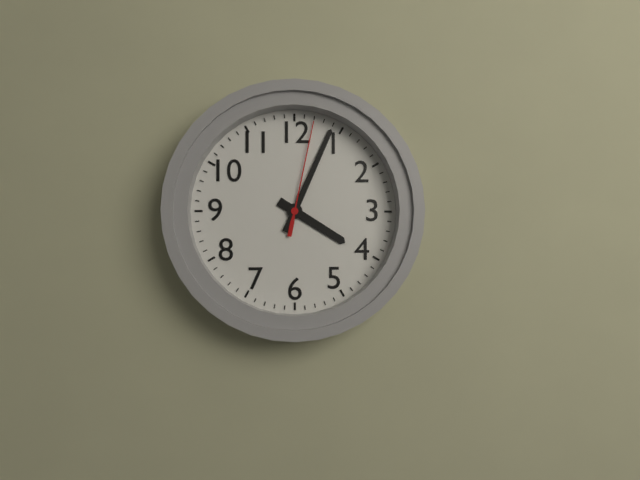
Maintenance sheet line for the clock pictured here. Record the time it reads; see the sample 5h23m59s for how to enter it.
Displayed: 4h04m02s
